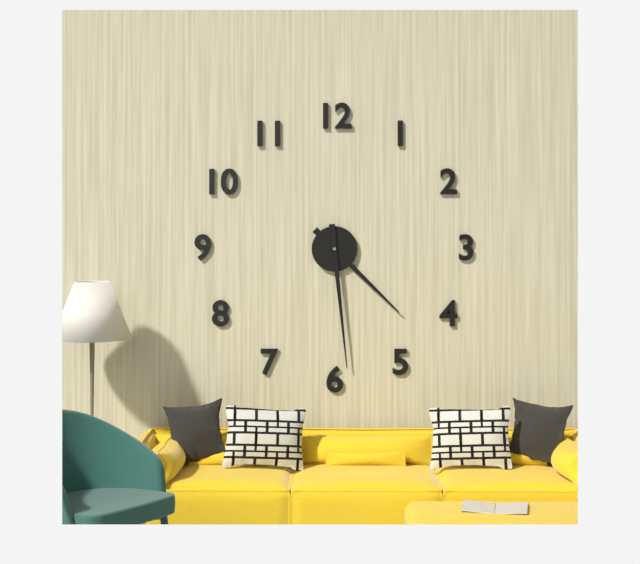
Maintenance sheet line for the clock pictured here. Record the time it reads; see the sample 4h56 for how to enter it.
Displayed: 4h29
